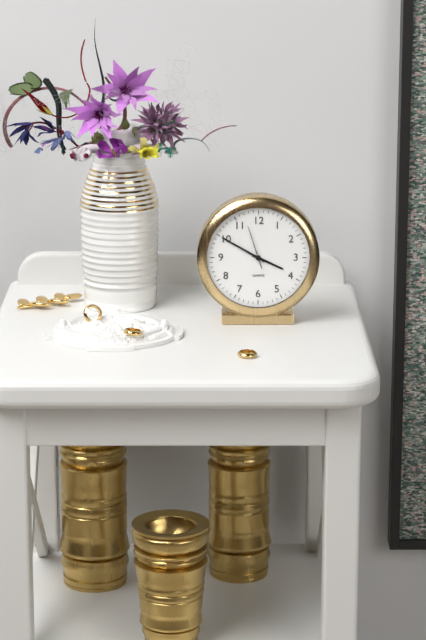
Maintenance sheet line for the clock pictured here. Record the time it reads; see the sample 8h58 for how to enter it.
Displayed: 3h50
